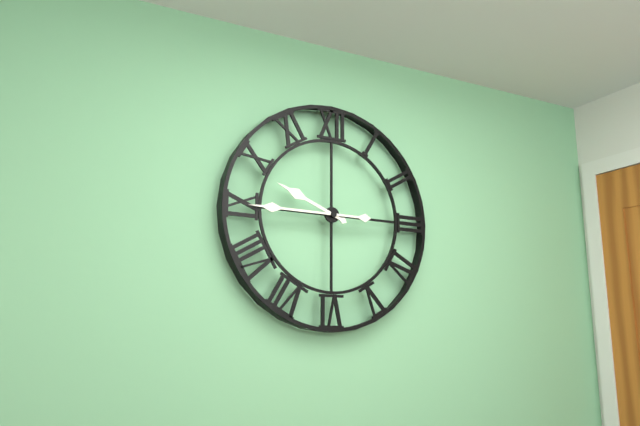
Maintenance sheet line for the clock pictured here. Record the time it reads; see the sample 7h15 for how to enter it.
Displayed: 9h45
